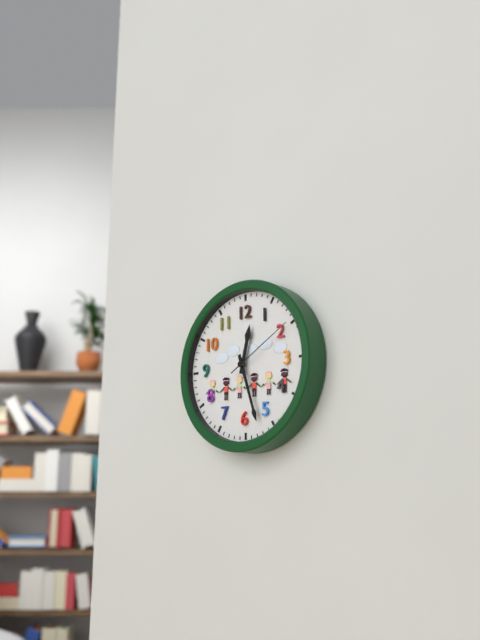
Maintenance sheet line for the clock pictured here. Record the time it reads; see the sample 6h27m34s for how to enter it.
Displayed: 12h27m10s
